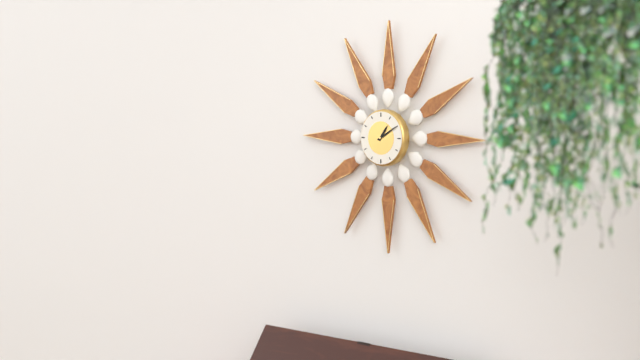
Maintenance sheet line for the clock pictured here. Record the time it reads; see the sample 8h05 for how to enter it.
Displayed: 1h10
